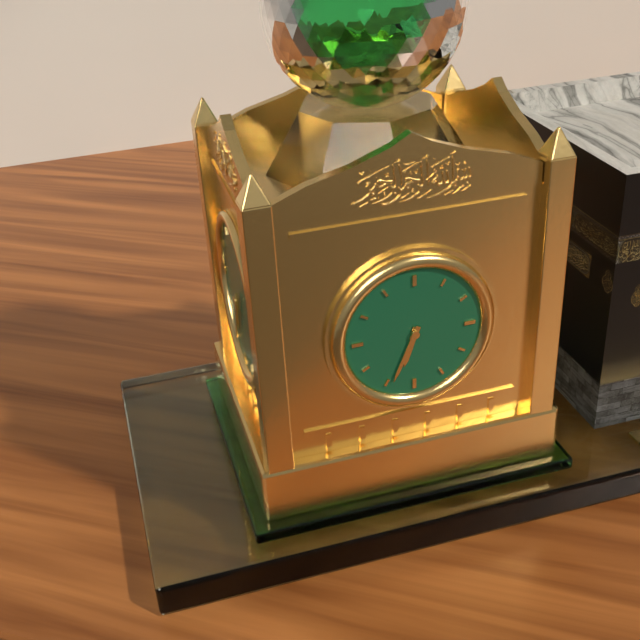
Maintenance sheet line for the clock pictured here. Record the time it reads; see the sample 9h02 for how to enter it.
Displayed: 6h34
